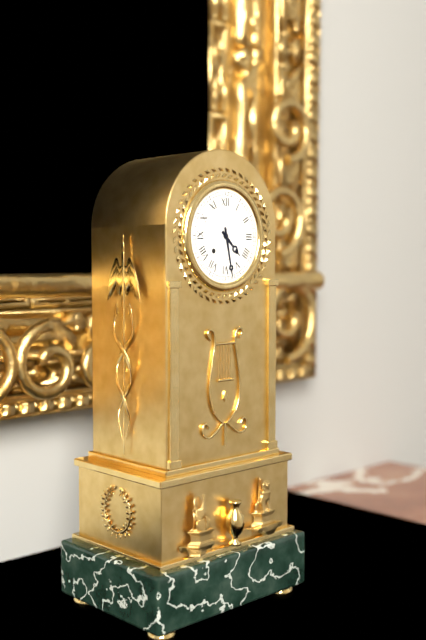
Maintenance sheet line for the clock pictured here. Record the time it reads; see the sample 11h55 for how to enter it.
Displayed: 4h28
